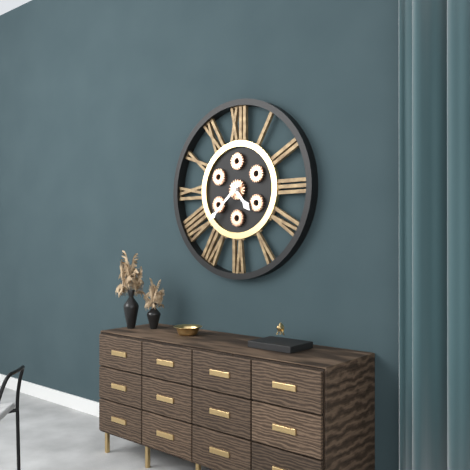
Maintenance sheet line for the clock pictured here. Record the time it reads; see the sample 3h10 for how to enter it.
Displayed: 4h38
